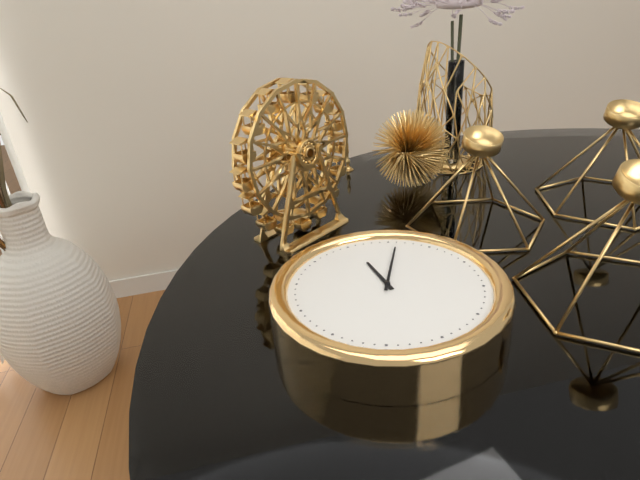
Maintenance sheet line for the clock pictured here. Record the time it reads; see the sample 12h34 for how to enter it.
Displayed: 12h06
